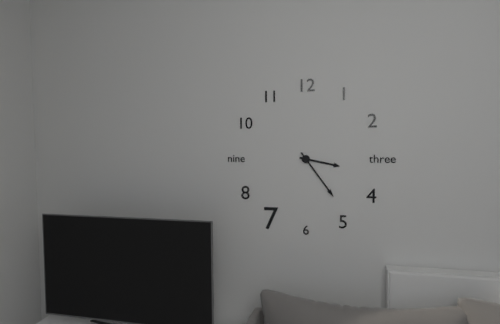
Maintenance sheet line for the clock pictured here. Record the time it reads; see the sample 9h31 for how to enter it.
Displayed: 3h24
